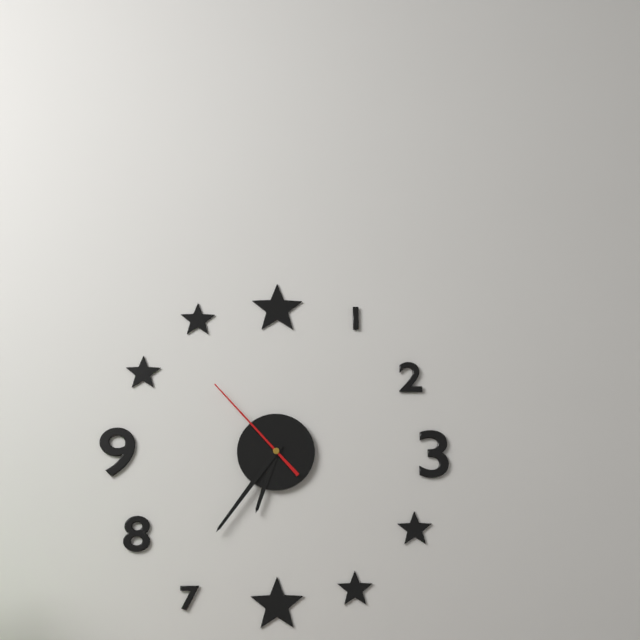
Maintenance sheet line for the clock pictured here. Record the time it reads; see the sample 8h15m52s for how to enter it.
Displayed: 6h36m53s
